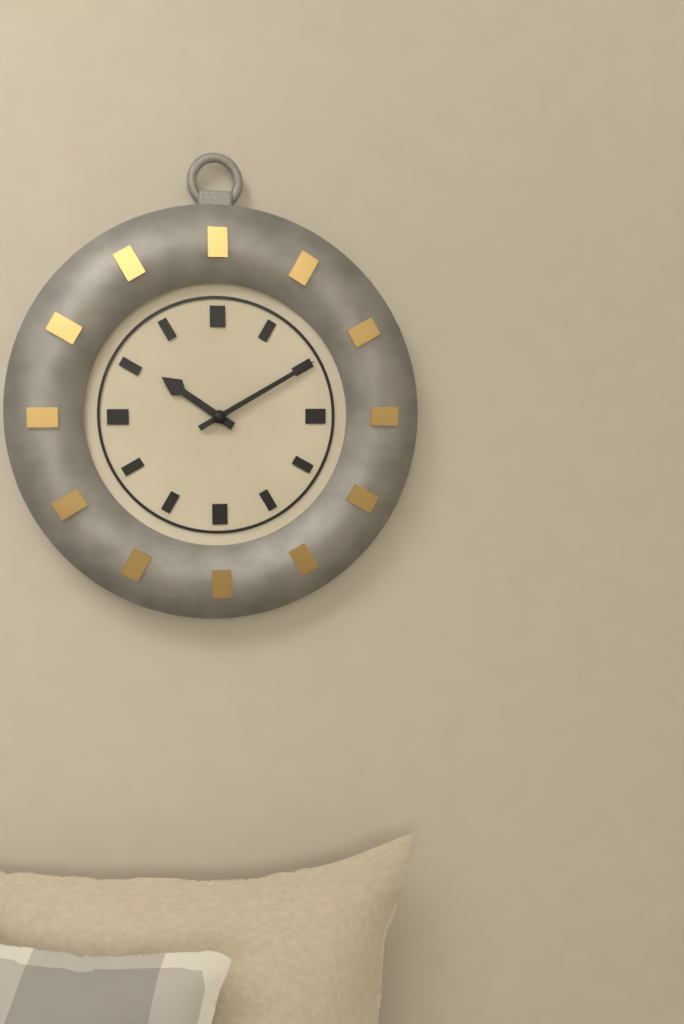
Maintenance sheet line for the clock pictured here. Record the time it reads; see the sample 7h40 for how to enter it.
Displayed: 10h10
